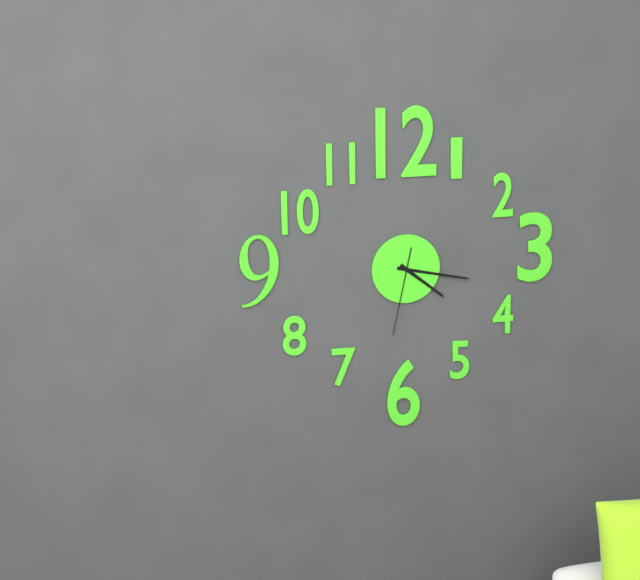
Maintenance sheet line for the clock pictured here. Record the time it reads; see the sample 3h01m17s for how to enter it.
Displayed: 4h17m32s
